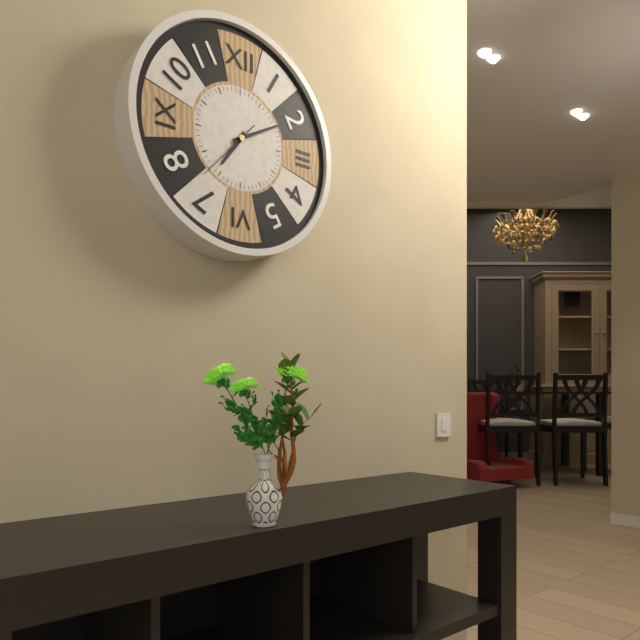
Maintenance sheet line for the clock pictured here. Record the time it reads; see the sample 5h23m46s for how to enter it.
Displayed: 7h10m37s
